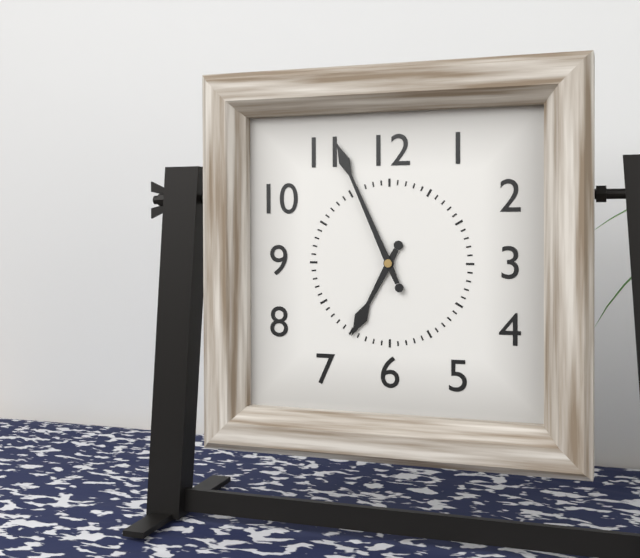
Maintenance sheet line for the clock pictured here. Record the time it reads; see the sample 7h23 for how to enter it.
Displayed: 6h56
